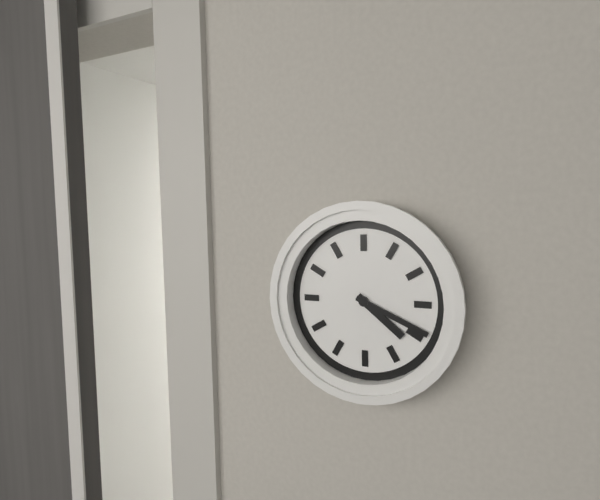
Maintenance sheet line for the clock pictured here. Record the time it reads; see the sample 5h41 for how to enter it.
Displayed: 4h19
